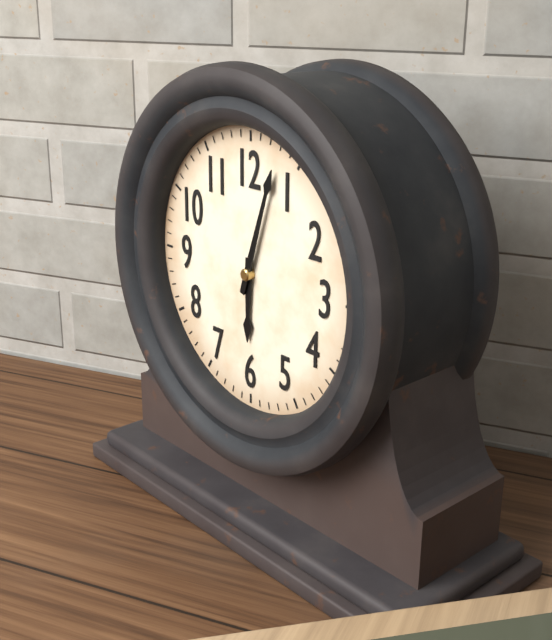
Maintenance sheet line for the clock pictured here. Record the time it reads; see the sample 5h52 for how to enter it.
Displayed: 6h03
